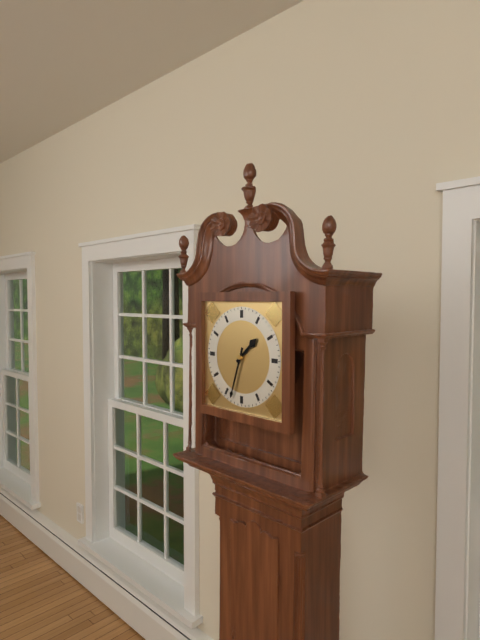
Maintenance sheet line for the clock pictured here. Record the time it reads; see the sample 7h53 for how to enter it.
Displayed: 1h33
